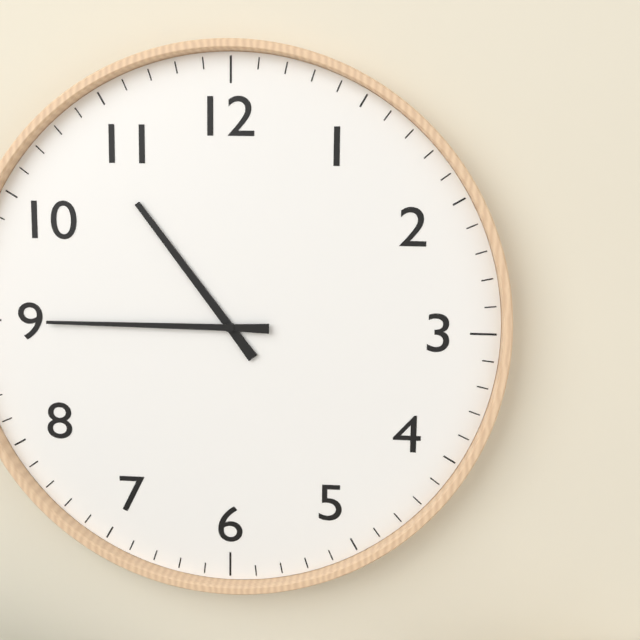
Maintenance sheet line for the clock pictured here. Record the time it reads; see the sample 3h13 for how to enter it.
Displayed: 10h45
